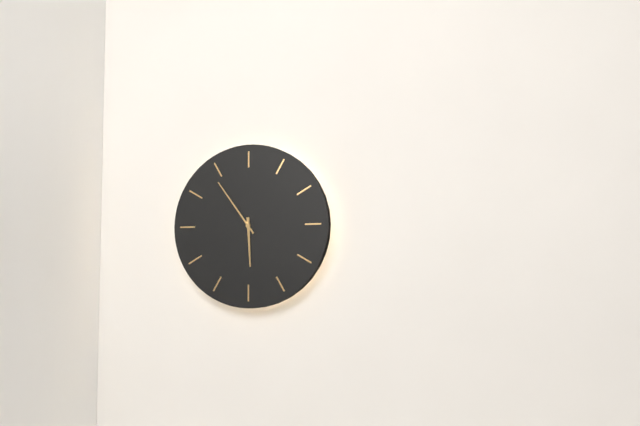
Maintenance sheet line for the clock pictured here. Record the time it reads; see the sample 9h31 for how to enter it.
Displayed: 5h54
